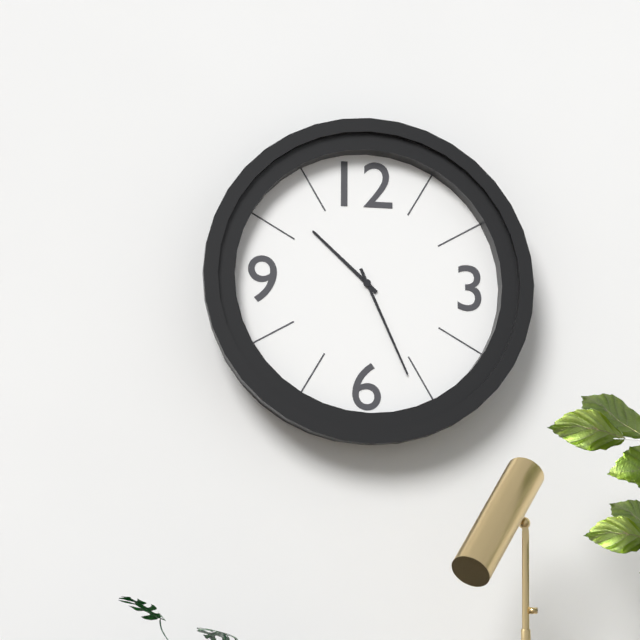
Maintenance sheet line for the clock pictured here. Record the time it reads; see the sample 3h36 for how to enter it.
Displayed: 10h26
